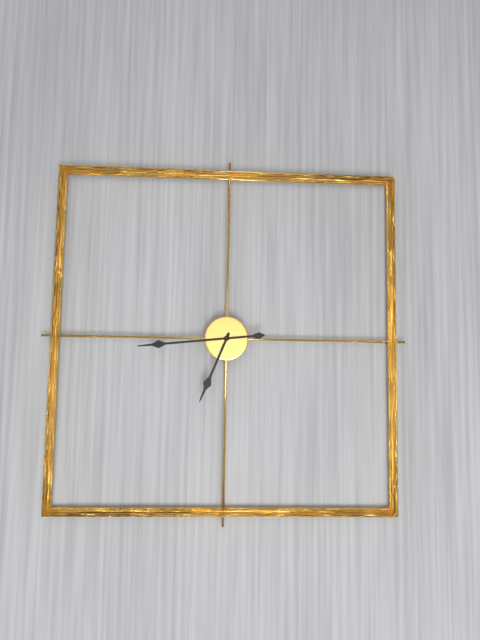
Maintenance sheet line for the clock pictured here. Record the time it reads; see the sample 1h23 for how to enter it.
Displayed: 6h44
